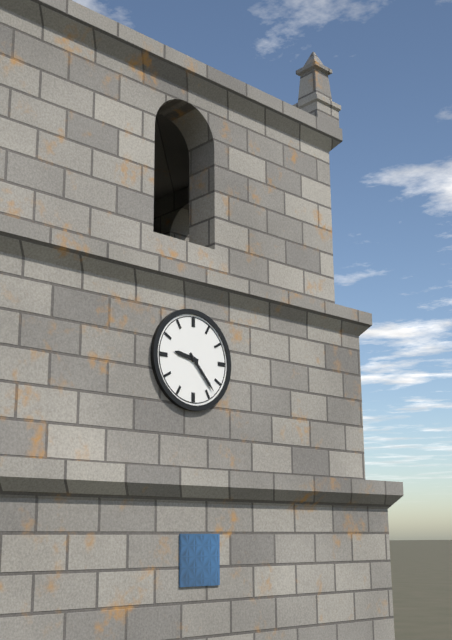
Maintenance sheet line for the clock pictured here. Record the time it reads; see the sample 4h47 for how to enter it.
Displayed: 9h23
